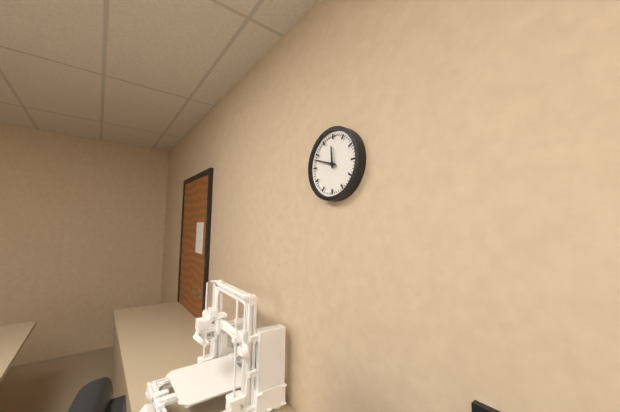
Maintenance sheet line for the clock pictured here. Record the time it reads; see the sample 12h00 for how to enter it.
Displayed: 11h48
